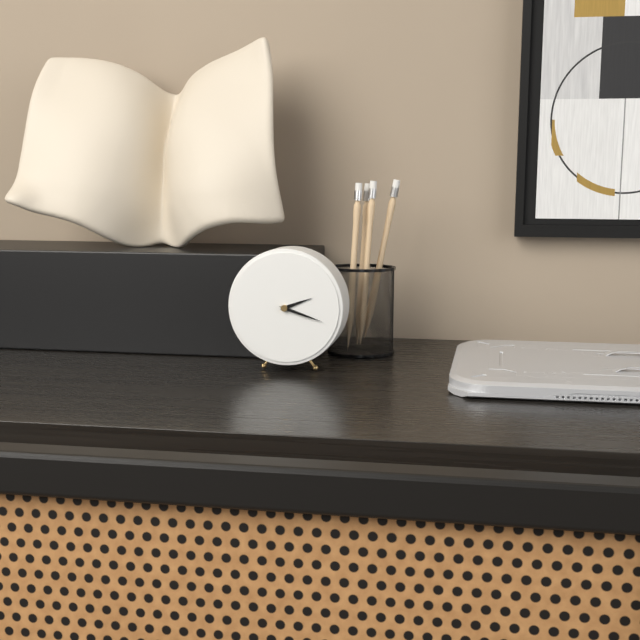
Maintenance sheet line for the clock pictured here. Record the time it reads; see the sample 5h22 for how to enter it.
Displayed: 2h18
